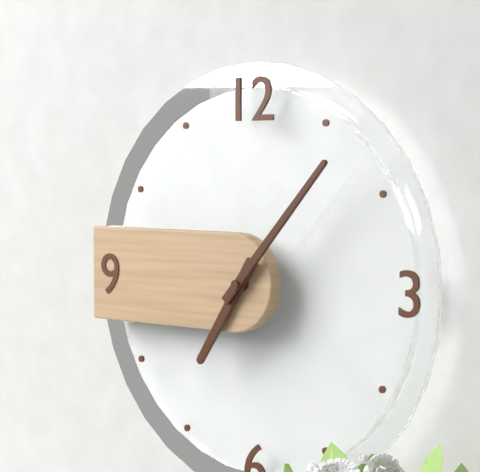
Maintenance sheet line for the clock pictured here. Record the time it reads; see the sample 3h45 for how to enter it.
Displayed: 7h07
